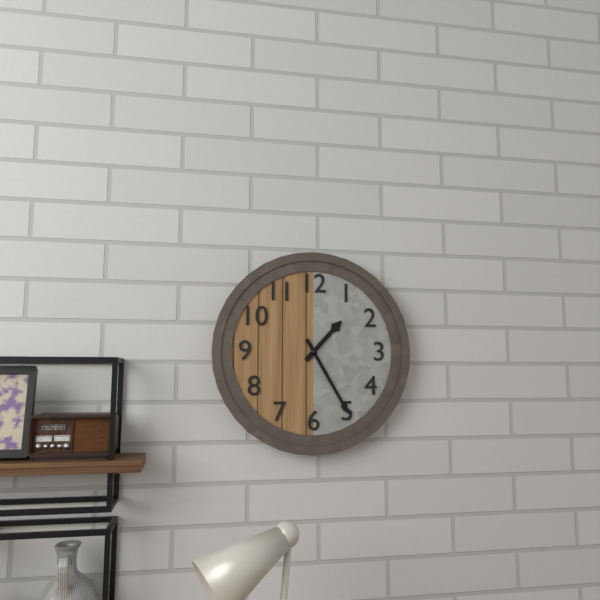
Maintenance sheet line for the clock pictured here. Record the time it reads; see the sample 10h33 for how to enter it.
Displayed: 1h25
